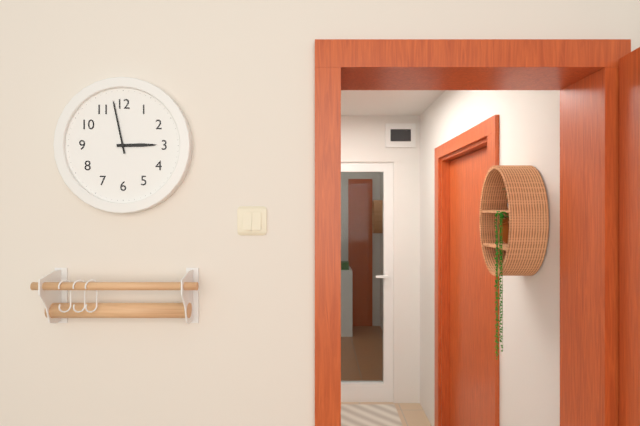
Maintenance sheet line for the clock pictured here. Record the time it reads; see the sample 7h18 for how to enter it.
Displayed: 2h58
